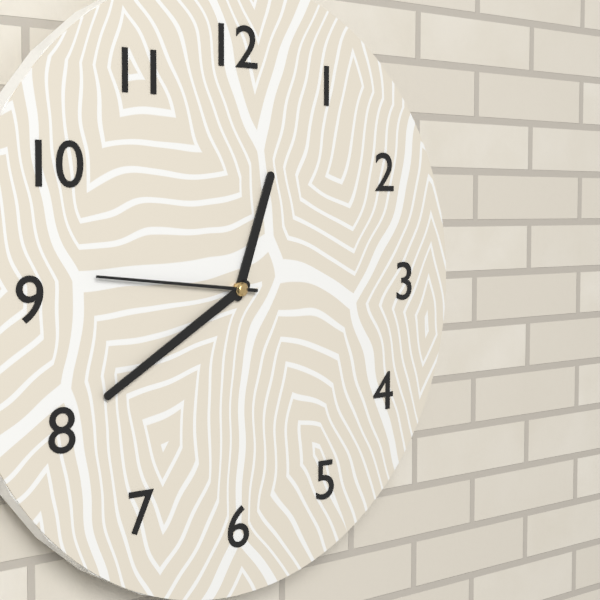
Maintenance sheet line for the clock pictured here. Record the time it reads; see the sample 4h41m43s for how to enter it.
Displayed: 12h40m46s
